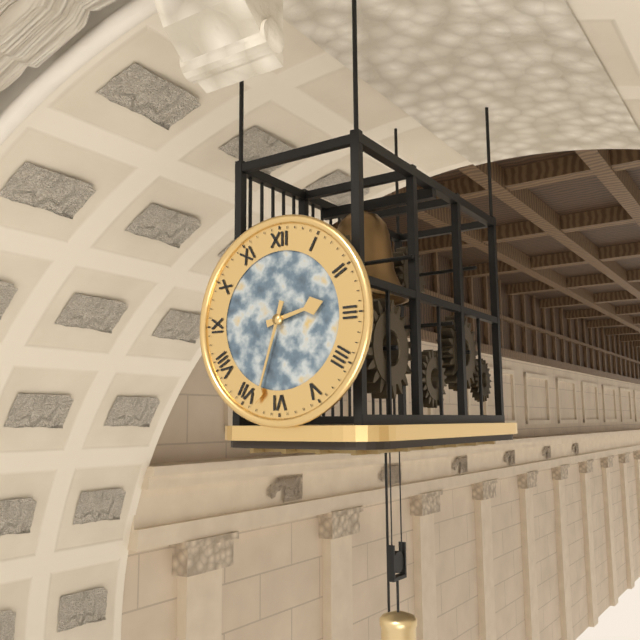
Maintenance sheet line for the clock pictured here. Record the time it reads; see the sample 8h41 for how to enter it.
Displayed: 2h33
